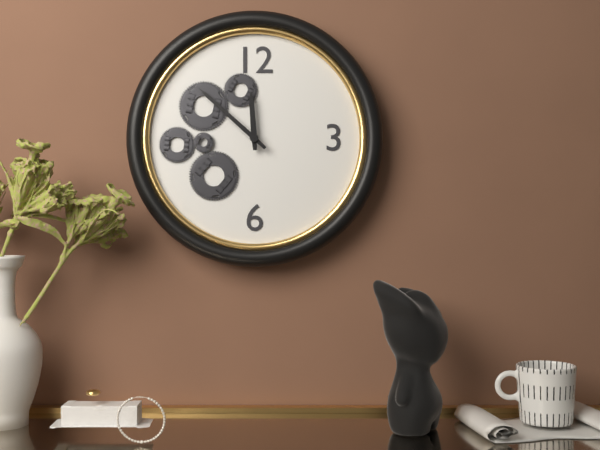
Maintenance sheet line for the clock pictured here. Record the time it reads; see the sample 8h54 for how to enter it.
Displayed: 11h52
